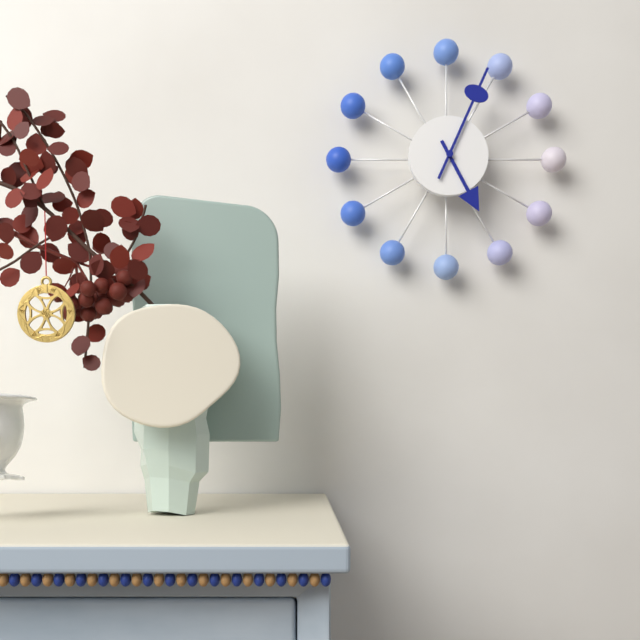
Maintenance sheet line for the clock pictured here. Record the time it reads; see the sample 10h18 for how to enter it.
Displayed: 5h04
